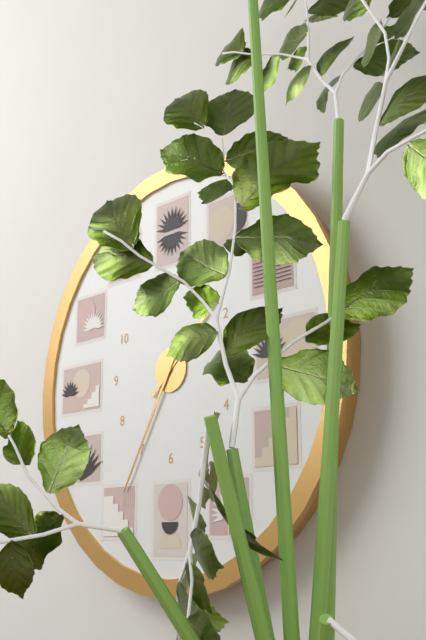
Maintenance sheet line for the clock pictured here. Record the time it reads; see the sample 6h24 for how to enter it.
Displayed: 1h35
